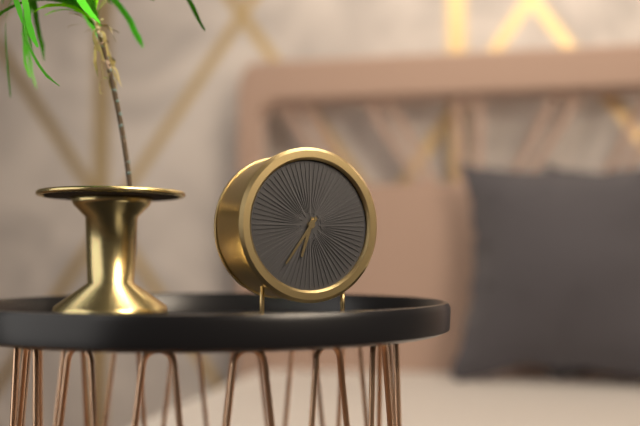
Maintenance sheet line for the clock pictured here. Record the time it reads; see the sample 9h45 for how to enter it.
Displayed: 6h36
